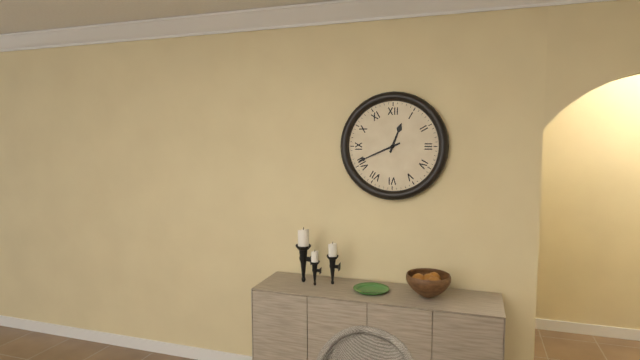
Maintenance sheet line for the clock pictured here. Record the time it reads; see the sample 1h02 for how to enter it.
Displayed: 12h41
